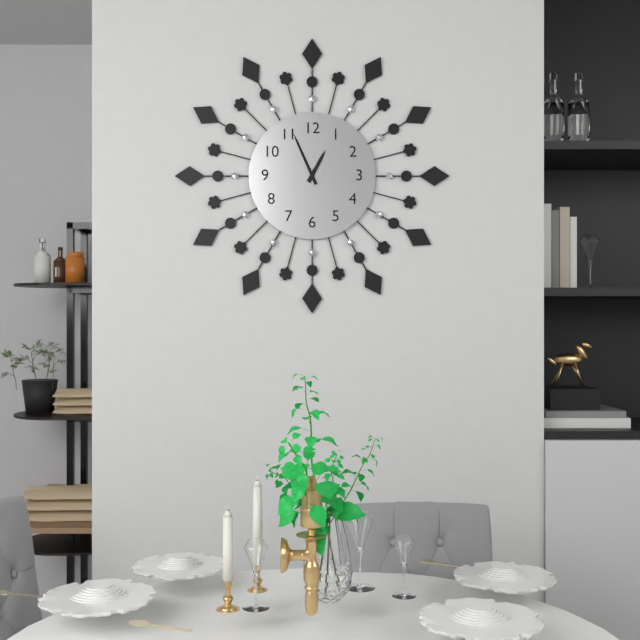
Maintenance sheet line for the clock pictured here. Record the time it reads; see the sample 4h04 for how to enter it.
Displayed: 12h56
